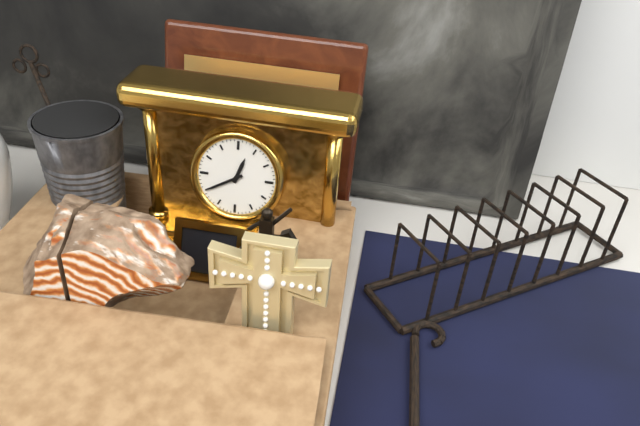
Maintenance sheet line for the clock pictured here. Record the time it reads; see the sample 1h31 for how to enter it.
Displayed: 12h40
